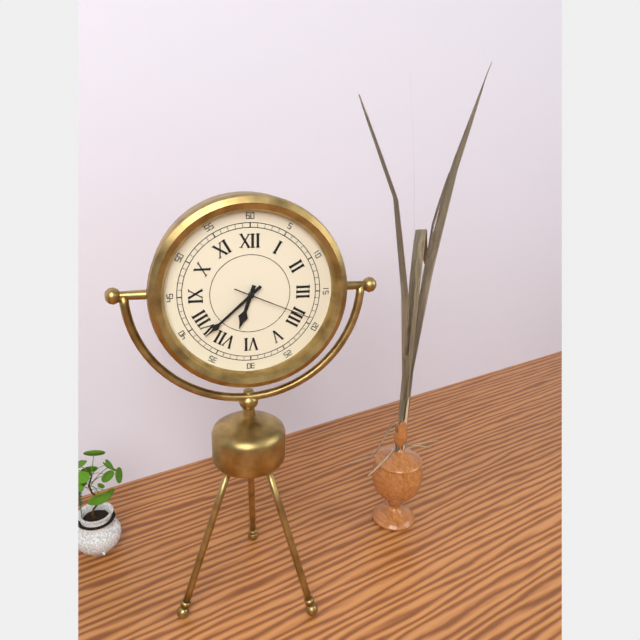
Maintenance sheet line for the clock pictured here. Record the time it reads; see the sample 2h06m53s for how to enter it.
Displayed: 6h38m19s
